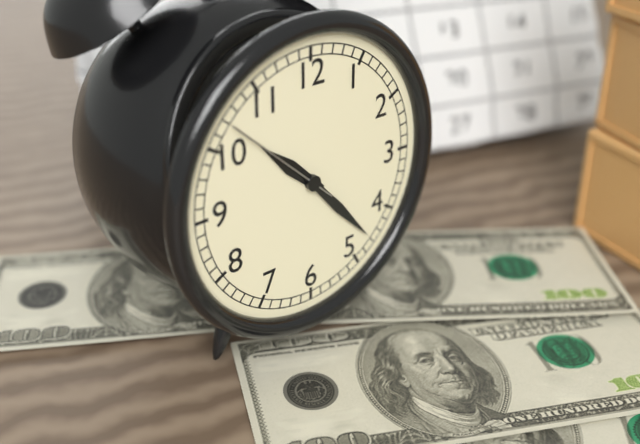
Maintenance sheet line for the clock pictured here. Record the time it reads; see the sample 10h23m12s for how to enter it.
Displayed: 10h23m52s
